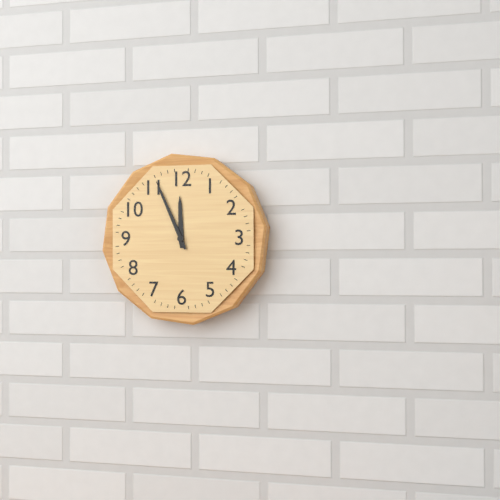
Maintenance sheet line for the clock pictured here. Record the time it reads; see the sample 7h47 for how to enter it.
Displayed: 11h56
